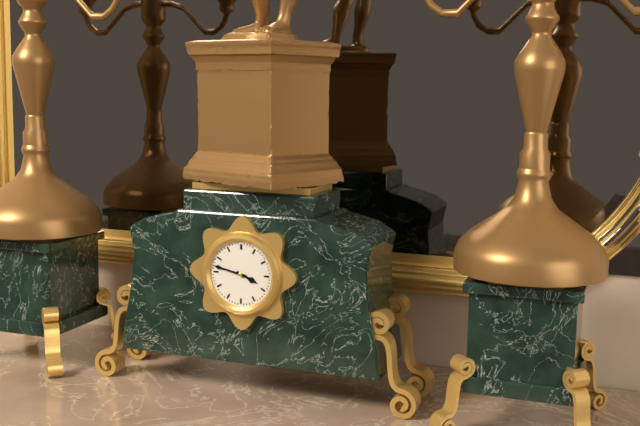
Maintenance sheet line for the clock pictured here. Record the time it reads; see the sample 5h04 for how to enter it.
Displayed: 3h47
